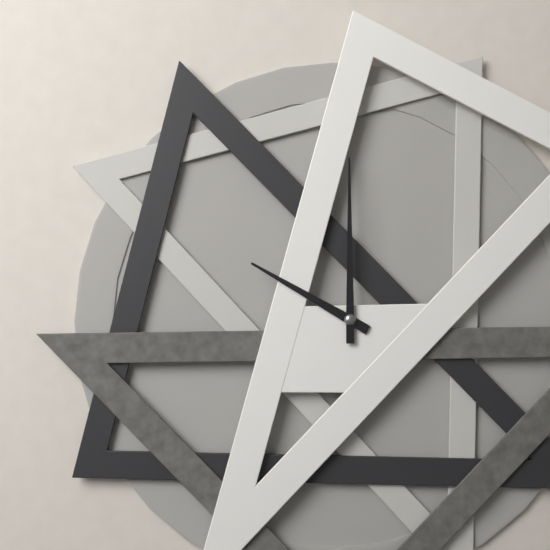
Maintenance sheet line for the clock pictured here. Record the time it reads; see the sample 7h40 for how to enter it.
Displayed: 10h00
